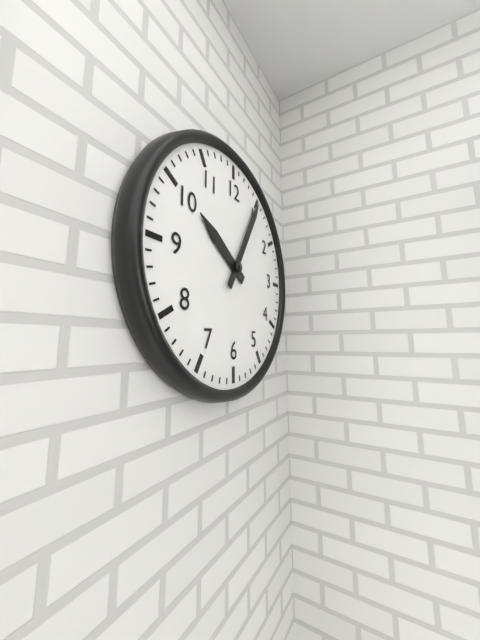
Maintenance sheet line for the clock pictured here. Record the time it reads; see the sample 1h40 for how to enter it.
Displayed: 10h05
